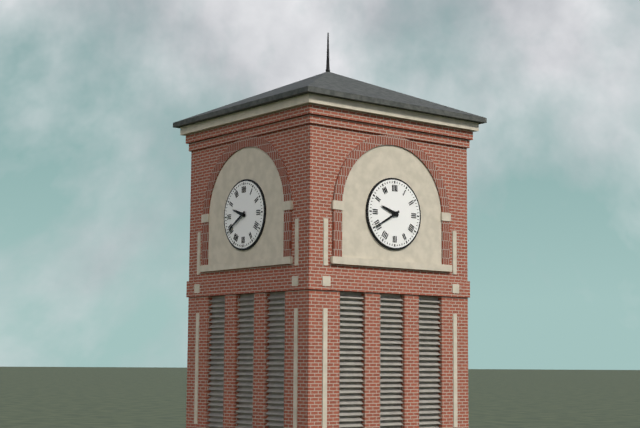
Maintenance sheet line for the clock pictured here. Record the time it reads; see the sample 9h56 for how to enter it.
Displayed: 9h40
